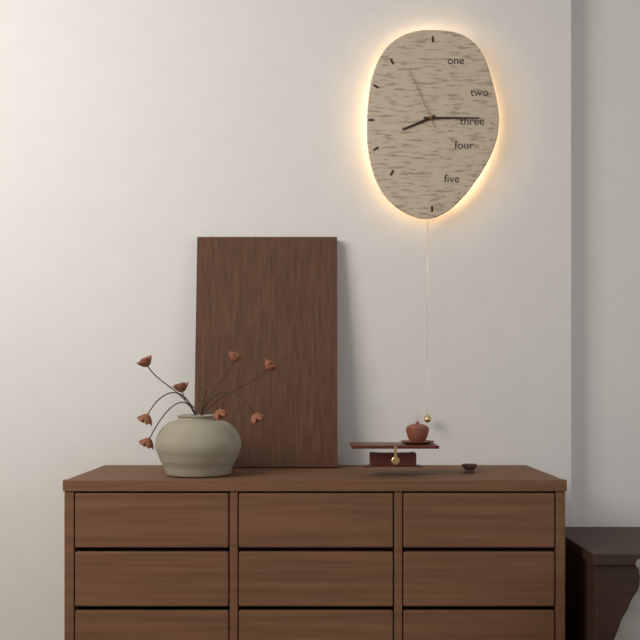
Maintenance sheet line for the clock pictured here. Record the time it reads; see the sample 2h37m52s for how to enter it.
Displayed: 8h15m56s
